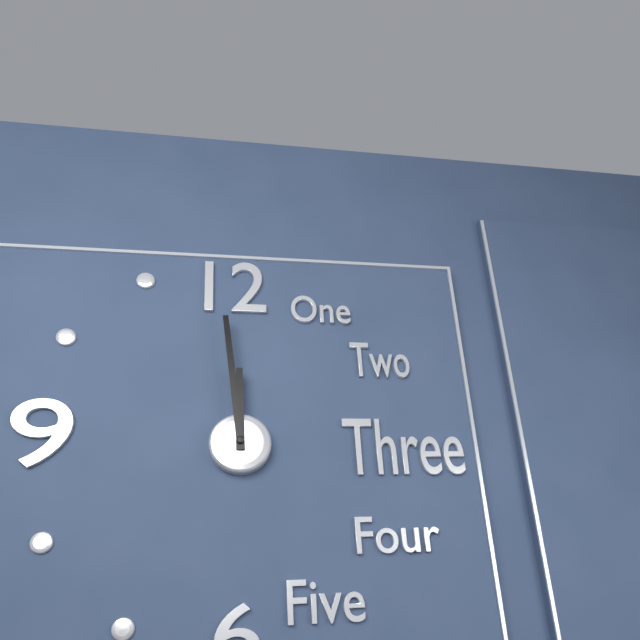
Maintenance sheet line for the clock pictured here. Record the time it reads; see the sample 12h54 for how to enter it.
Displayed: 11h59
